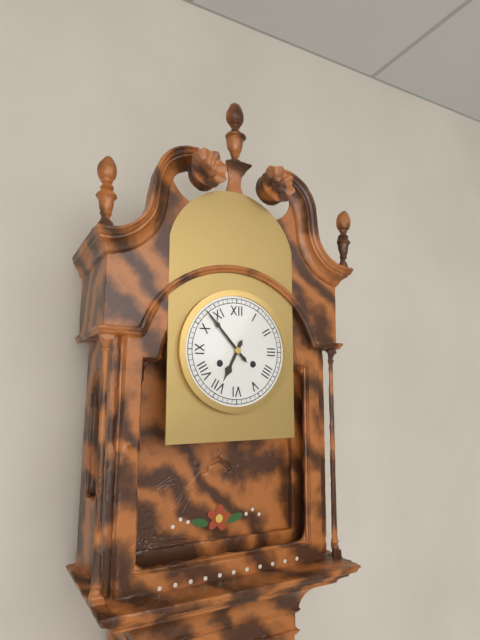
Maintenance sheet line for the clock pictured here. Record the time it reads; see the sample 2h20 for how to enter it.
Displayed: 6h53
